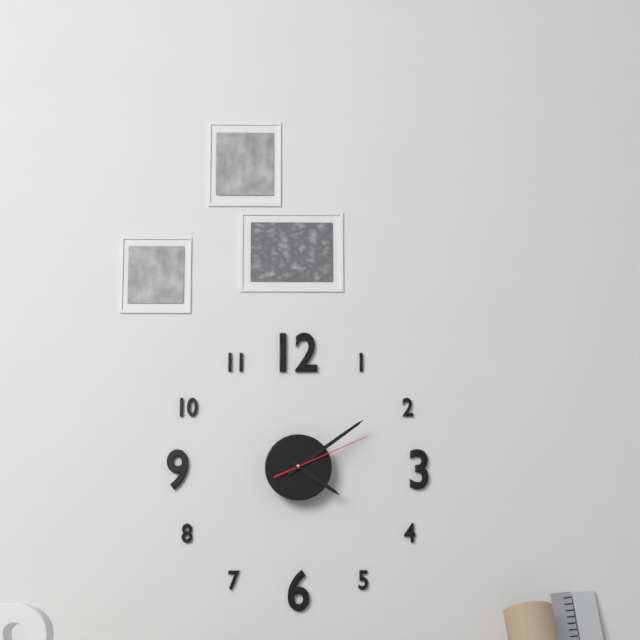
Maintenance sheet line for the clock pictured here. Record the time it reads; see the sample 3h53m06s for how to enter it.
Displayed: 4h09m11s
